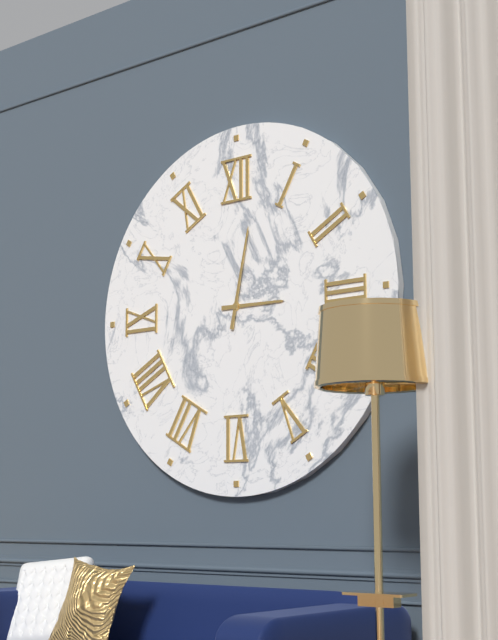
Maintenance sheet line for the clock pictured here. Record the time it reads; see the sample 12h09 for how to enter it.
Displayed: 3h02
